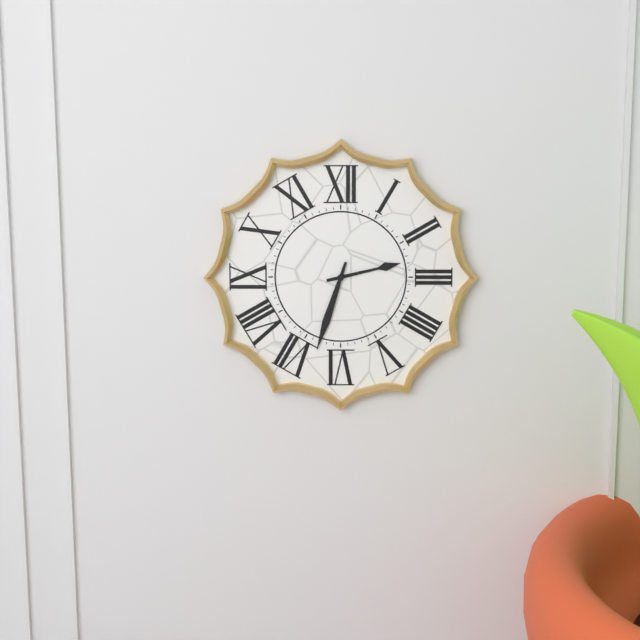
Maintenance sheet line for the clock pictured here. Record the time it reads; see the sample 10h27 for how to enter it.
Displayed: 2h33
